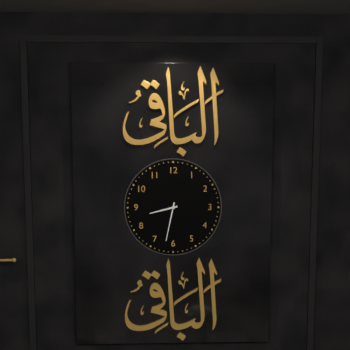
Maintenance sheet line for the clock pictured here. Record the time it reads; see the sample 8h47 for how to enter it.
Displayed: 8h32
